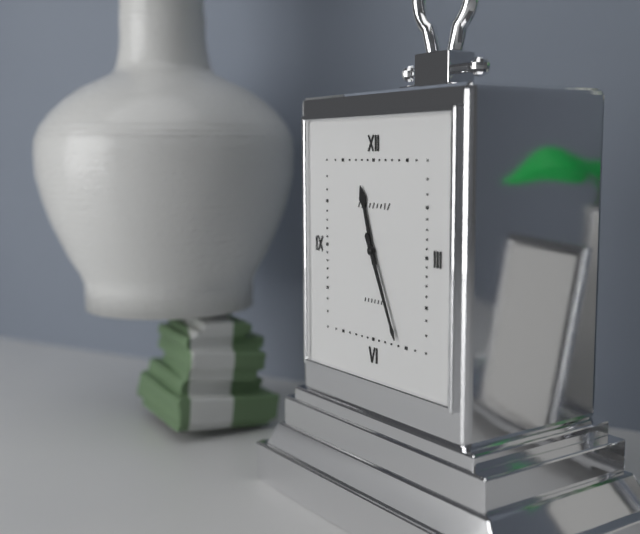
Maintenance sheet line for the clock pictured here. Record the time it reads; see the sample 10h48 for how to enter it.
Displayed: 11h26
